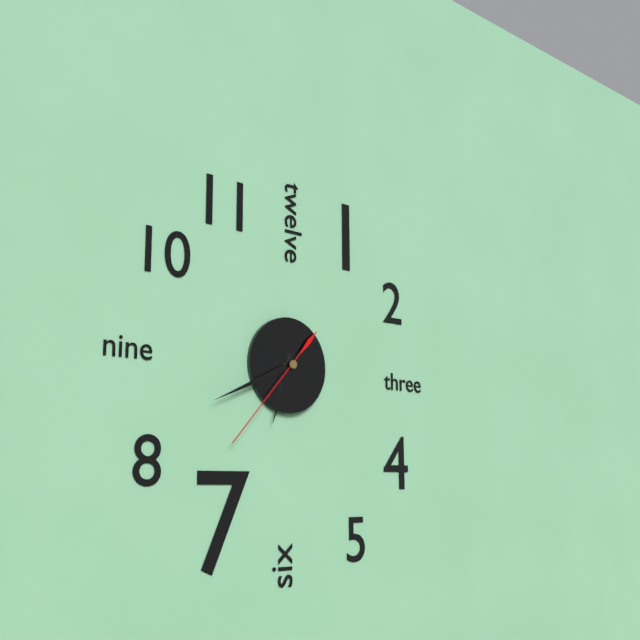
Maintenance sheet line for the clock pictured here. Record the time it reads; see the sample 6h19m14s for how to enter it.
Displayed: 6h41m37s
